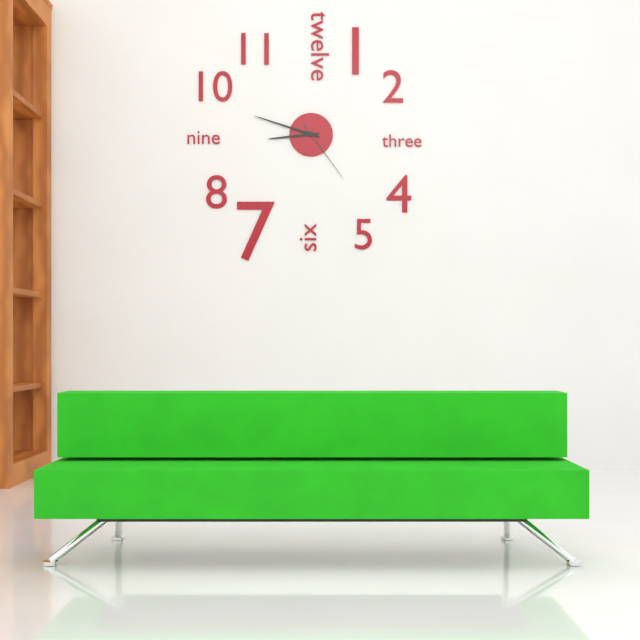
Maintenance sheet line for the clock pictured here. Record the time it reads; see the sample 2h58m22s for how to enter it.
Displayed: 8h48m24s
